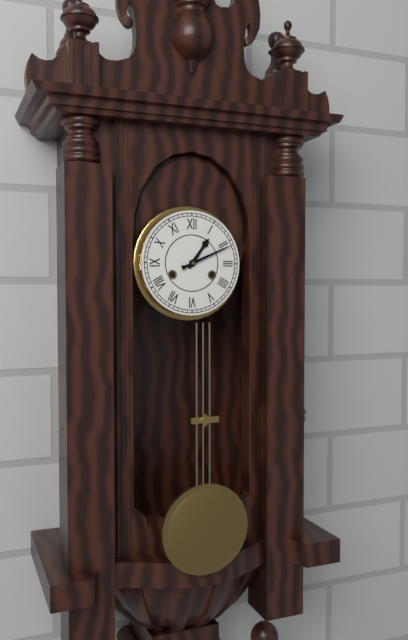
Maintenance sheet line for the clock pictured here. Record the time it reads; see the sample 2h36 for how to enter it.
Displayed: 1h11
